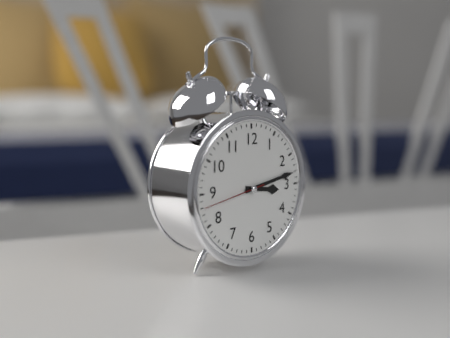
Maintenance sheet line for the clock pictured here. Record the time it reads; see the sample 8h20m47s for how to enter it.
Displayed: 3h13m43s
